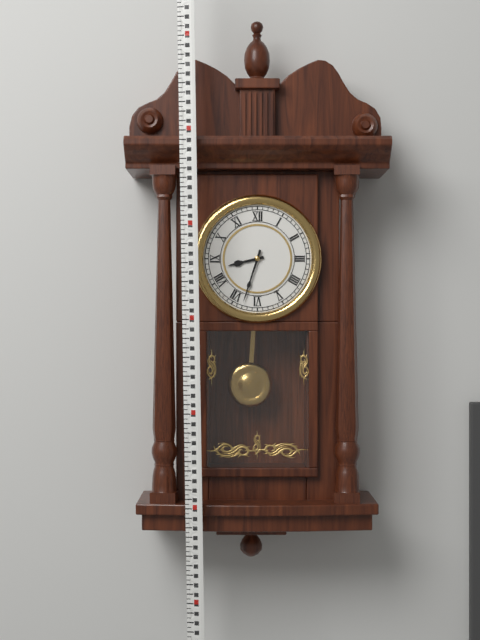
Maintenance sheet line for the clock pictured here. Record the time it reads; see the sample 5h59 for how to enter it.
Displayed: 8h33
